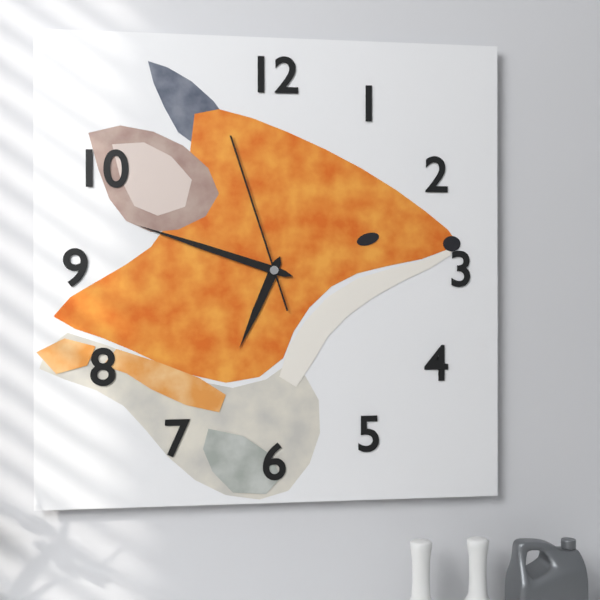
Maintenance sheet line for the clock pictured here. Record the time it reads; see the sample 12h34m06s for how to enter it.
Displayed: 6h48m57s
